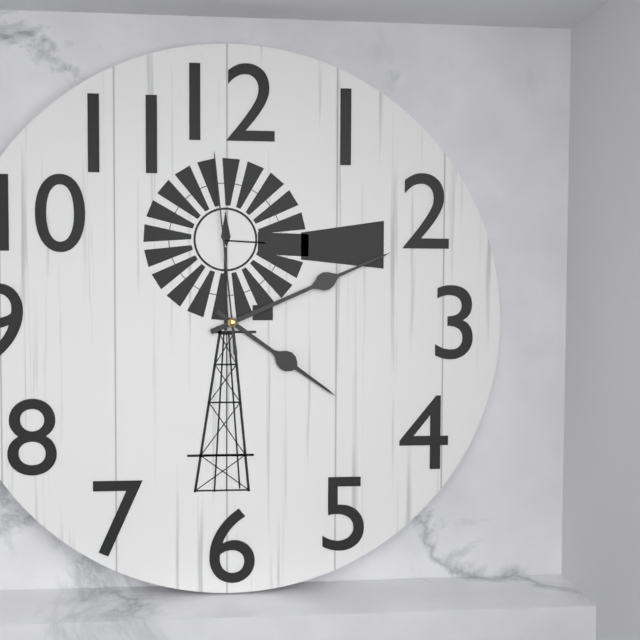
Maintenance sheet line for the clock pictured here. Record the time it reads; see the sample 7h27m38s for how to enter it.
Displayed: 4h11m59s
